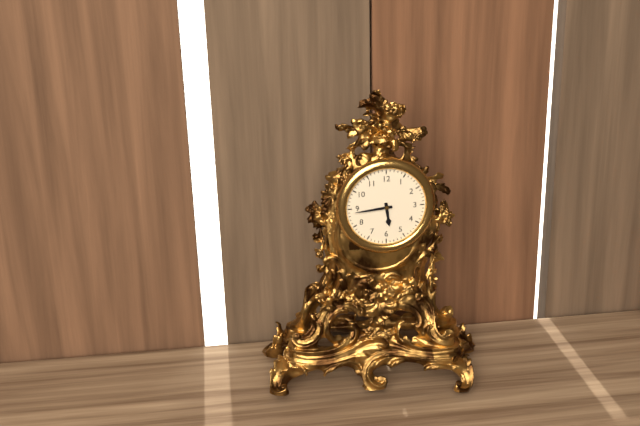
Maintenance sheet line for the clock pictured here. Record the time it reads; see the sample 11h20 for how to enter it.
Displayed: 5h44
